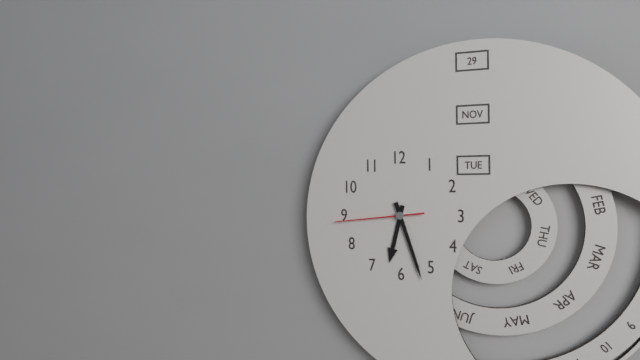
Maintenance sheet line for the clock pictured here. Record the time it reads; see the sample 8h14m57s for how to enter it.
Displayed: 6h27m44s
